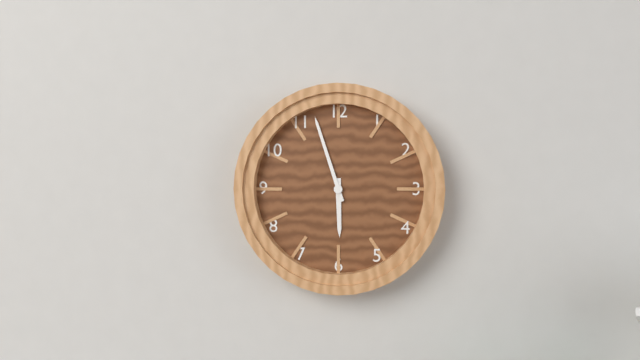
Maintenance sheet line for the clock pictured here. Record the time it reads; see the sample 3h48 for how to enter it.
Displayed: 5h57
